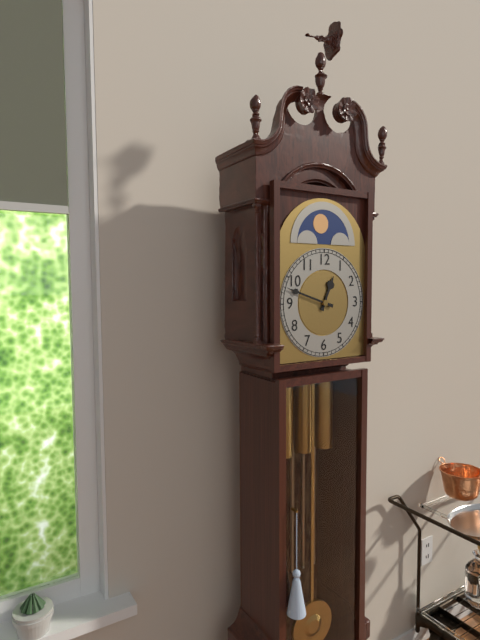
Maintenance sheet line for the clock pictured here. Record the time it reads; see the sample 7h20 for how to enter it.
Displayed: 12h48
